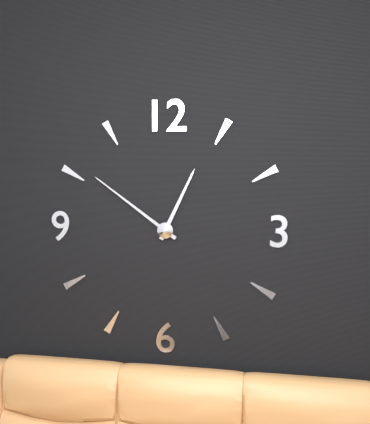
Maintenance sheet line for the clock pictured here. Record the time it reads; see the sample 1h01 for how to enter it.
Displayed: 12h51
